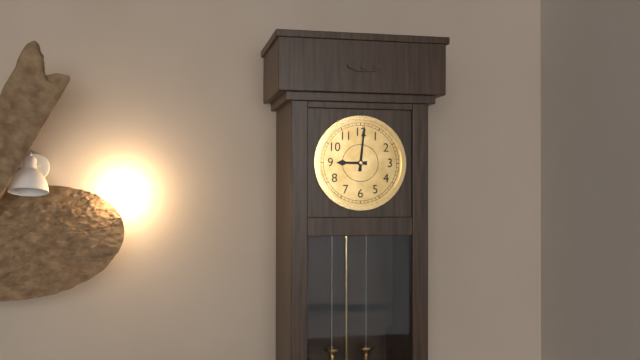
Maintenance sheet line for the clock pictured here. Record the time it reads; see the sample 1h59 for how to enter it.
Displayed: 9h01
